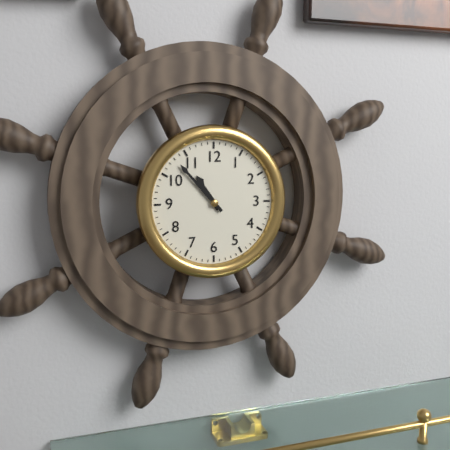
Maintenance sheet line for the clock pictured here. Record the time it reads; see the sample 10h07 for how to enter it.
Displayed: 10h53
